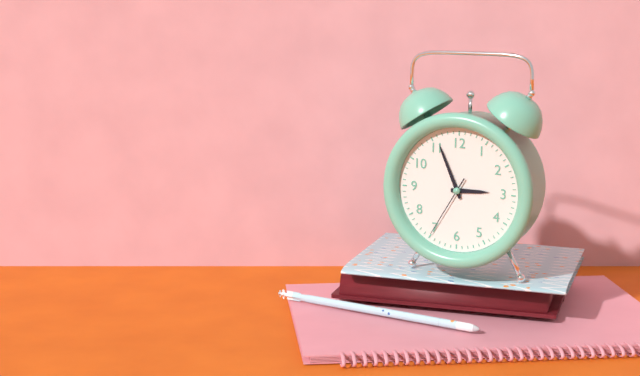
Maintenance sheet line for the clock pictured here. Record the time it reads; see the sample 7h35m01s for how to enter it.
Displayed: 2h56m35s
